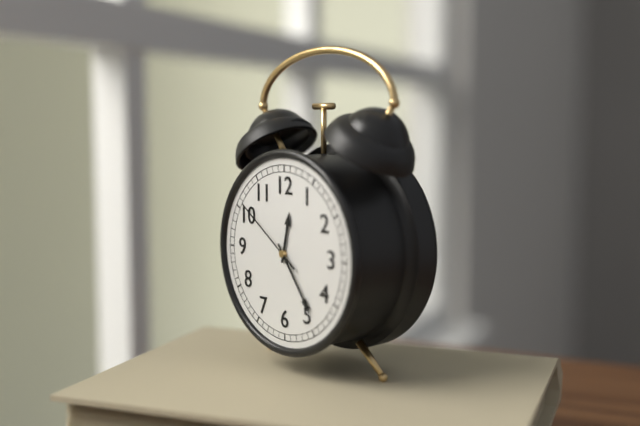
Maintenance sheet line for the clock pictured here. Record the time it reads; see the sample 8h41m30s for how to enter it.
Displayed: 12h24m51s
